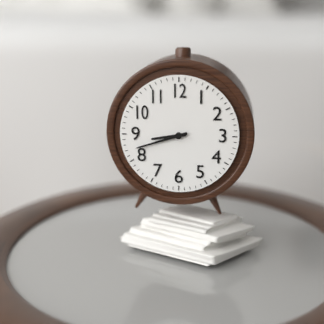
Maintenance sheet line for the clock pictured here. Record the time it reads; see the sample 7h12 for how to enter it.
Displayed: 8h42
